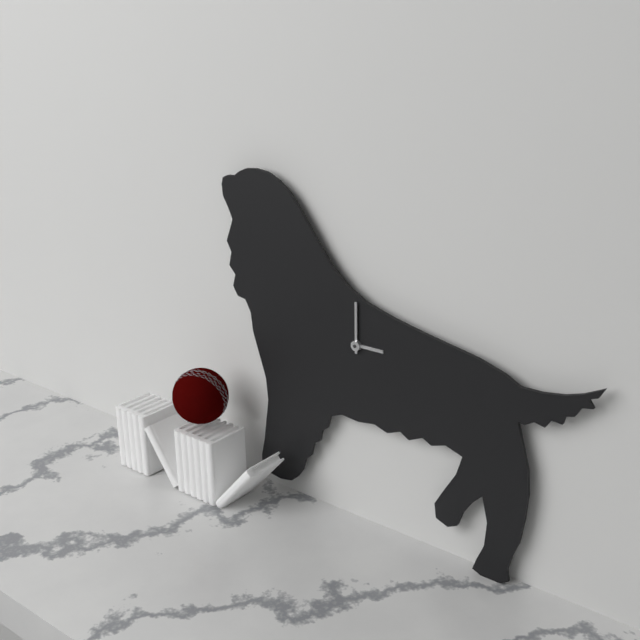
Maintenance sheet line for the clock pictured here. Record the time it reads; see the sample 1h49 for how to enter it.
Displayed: 3h00
